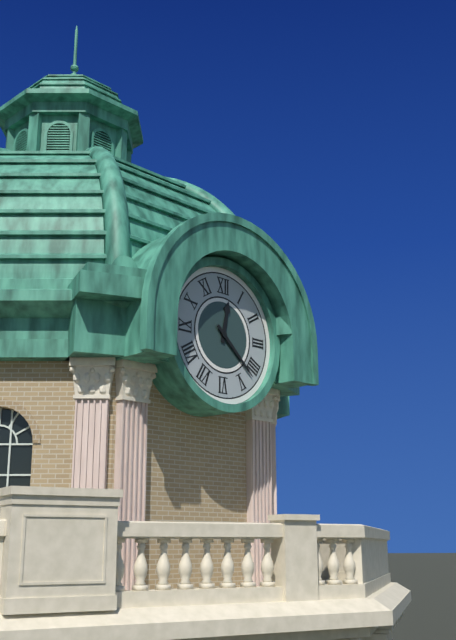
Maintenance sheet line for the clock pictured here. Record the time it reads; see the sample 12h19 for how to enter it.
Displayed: 12h22
